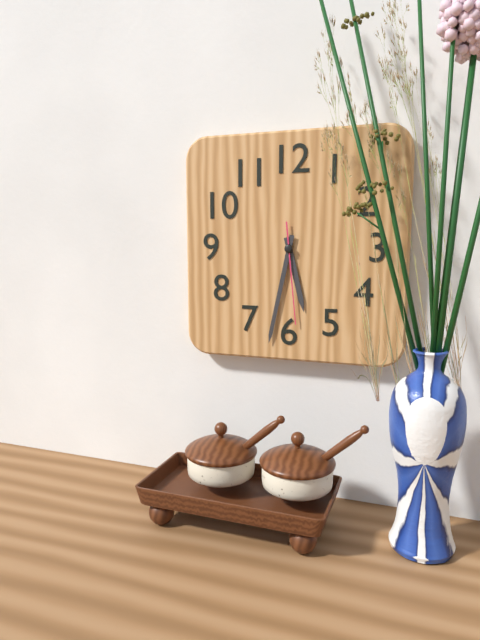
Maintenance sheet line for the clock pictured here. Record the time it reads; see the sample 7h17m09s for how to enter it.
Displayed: 5h32m29s
